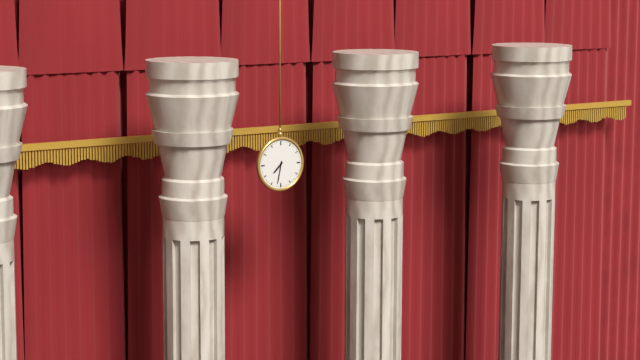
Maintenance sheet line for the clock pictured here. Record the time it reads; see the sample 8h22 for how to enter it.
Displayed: 7h32
